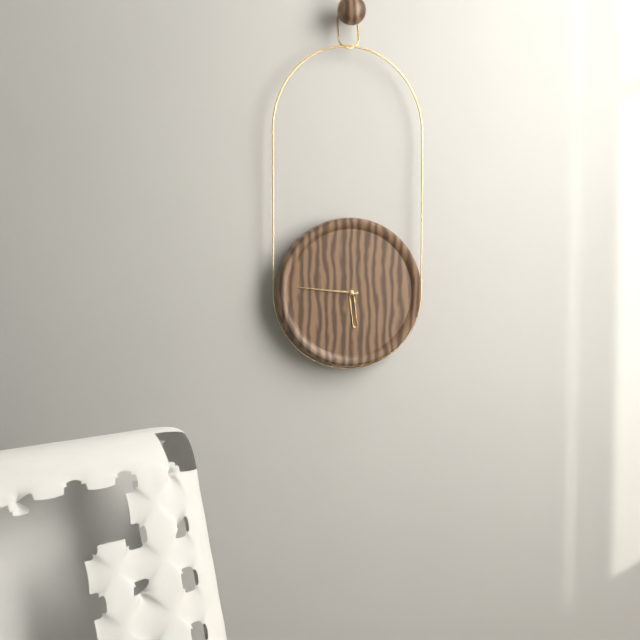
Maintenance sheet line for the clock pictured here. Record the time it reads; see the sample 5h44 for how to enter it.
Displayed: 5h46
